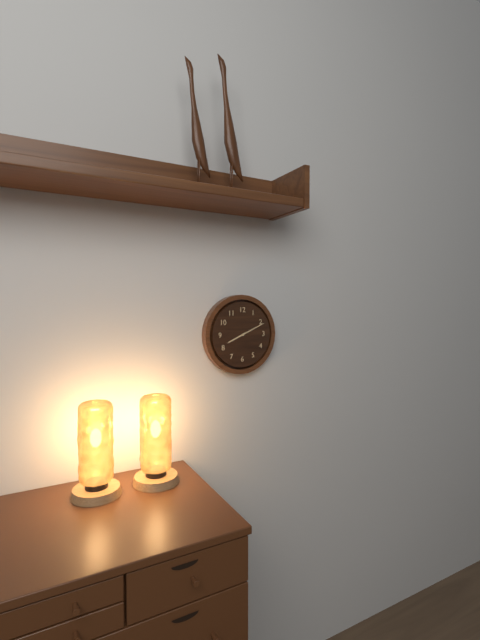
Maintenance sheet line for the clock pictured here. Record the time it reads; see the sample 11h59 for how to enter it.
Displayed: 8h11
